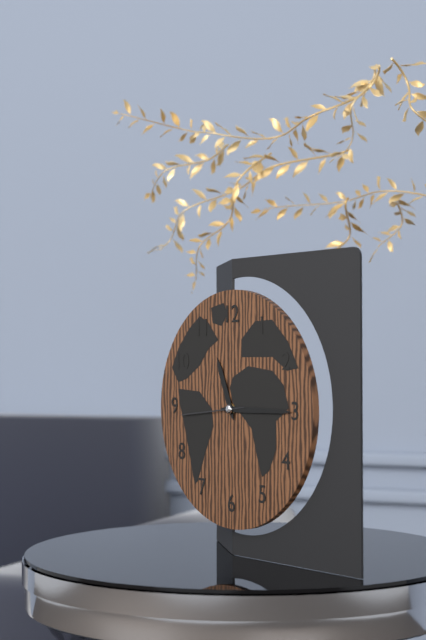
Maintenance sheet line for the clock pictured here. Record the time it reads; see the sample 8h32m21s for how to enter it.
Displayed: 11h15m44s
